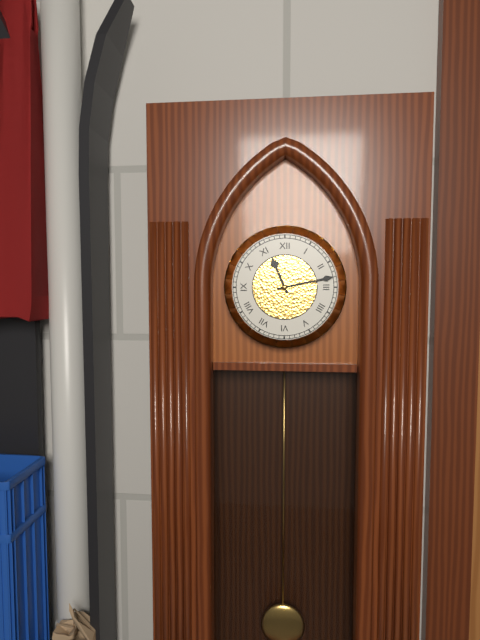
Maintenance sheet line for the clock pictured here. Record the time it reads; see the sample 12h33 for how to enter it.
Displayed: 11h13
